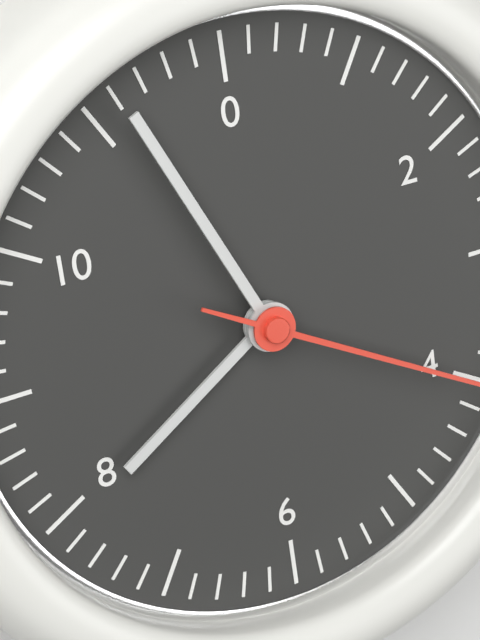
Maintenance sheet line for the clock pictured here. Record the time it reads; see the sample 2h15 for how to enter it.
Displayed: 7h56
